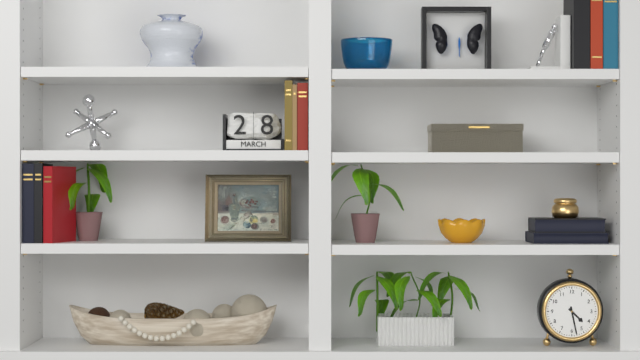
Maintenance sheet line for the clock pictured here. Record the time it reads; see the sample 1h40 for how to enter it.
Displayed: 4h28
